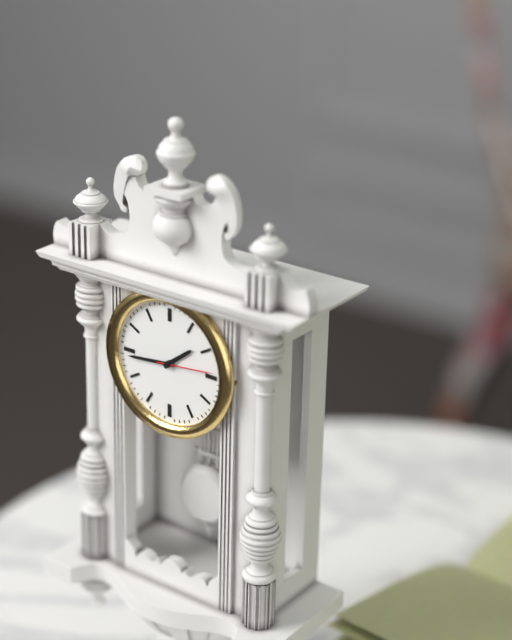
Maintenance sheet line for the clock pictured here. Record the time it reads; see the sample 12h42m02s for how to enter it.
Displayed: 1h44m14s
